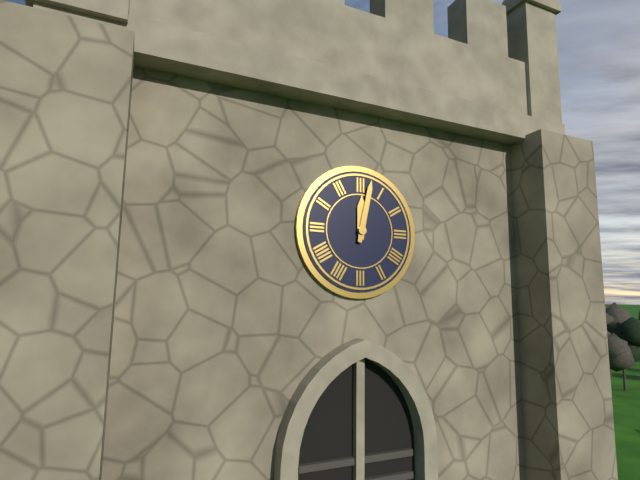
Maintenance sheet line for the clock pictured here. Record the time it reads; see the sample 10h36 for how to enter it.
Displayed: 12h02
